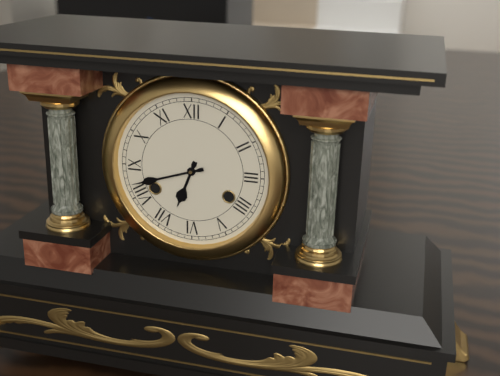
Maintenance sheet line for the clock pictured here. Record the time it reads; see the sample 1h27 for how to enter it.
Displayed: 6h42
